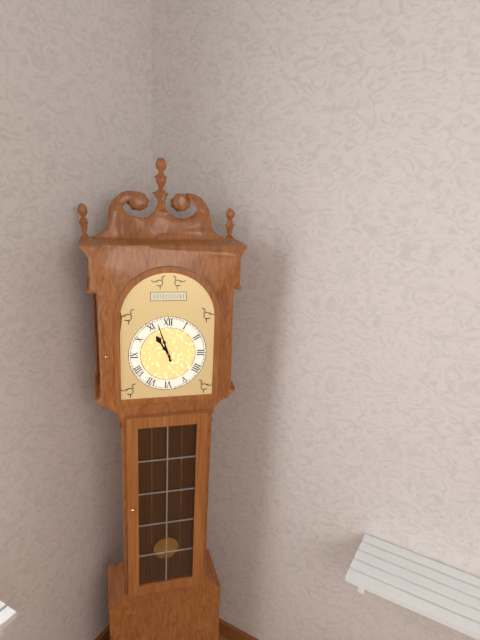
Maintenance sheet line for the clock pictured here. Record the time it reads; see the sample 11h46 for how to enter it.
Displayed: 10h57
